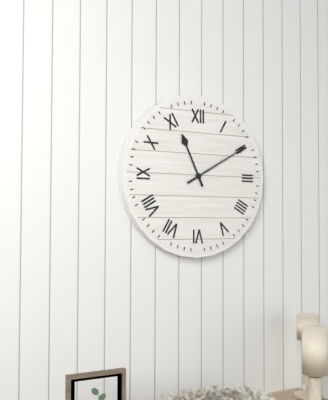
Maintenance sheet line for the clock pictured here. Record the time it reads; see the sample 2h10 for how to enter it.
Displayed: 11h10
